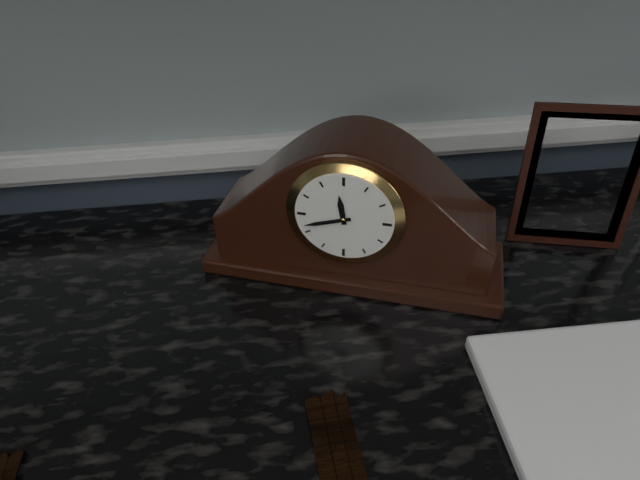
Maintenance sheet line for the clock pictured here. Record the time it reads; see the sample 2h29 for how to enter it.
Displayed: 11h42
